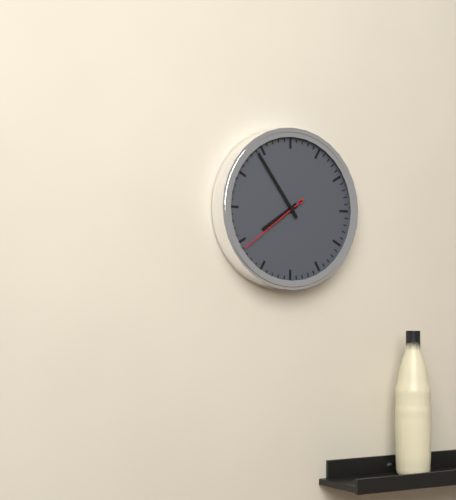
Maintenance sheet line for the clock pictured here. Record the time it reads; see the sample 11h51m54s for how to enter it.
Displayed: 7h54m39s
